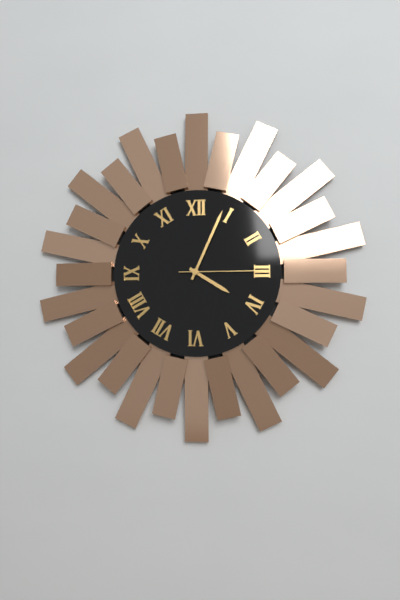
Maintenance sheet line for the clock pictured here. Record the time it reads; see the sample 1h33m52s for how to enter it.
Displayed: 4h04m15s
